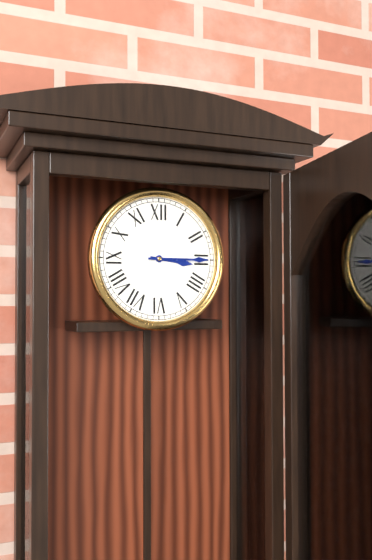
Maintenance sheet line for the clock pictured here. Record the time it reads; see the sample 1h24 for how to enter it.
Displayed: 3h15
